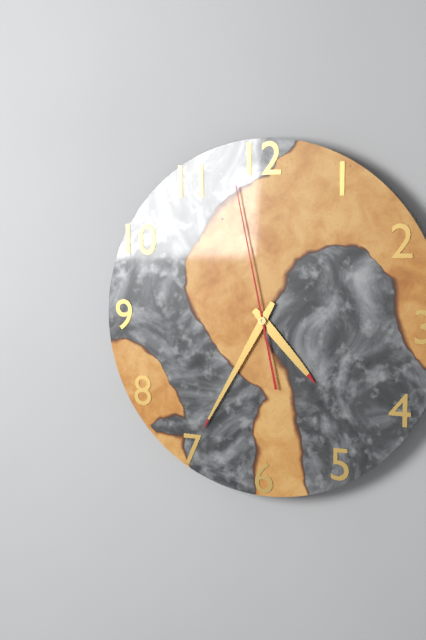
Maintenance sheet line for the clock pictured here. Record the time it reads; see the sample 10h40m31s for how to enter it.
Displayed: 4h35m58s
